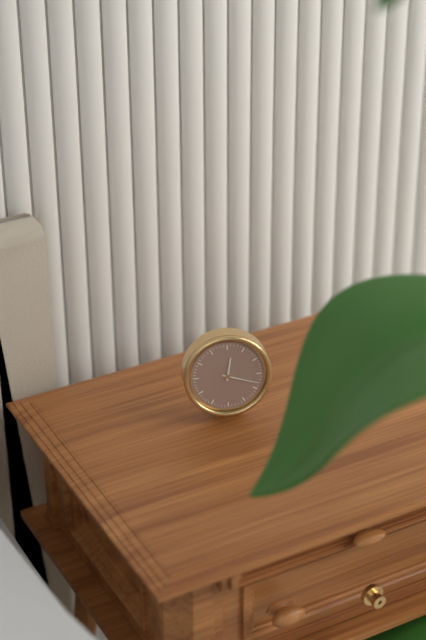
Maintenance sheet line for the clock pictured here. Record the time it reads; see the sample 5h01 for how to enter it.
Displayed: 12h18
